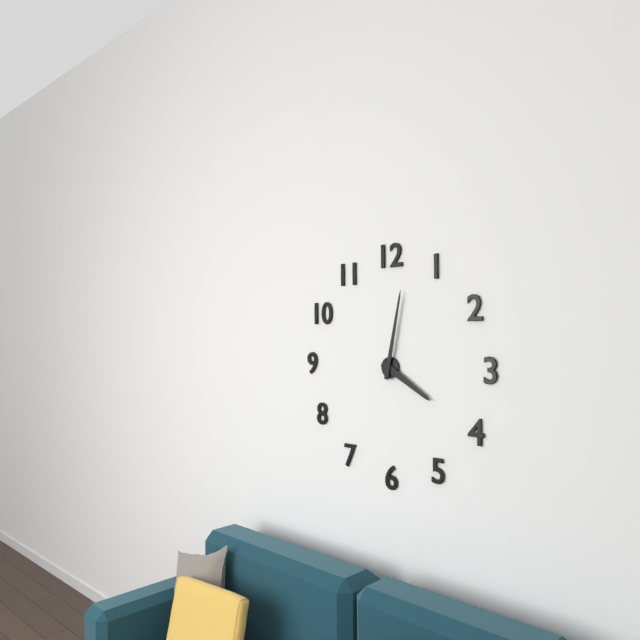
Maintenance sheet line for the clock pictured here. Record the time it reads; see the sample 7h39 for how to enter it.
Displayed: 4h02
